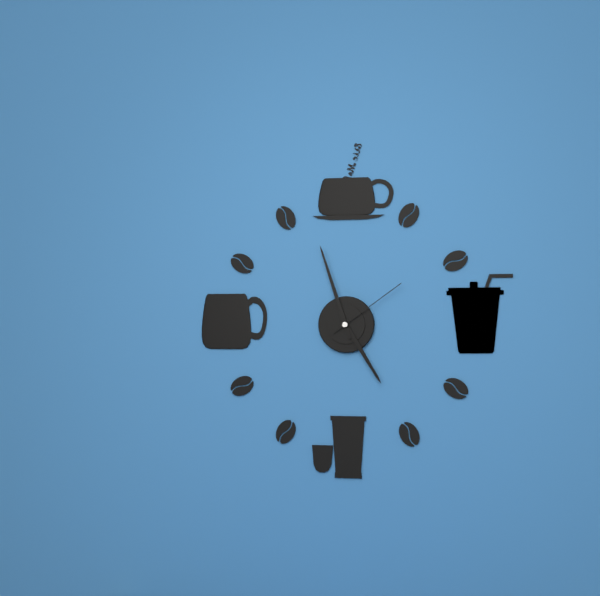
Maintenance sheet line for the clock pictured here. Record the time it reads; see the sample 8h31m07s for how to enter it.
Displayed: 4h57m09s
